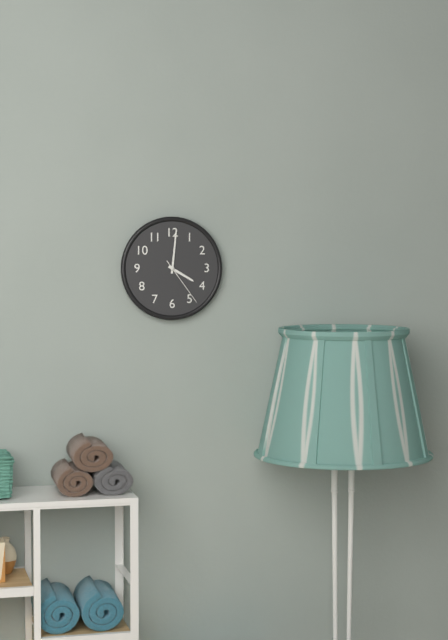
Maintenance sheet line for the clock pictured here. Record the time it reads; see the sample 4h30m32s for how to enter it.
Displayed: 4h01m24s
